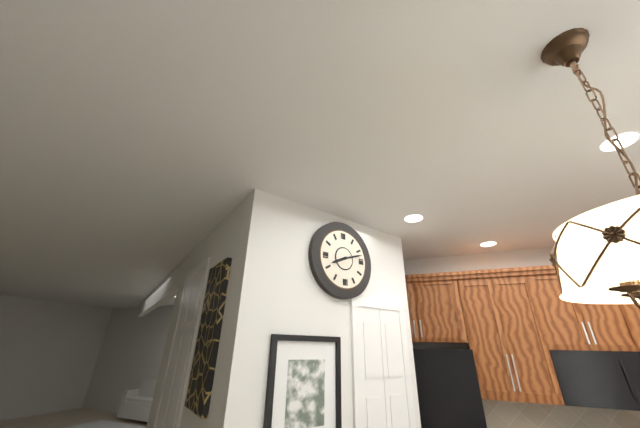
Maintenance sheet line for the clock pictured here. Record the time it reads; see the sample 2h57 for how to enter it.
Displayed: 8h12
